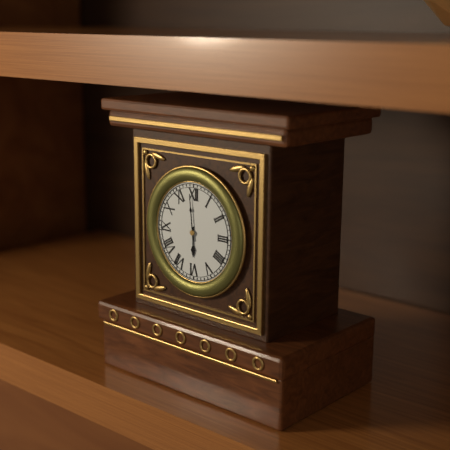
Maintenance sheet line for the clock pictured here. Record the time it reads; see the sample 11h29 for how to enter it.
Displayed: 5h59
